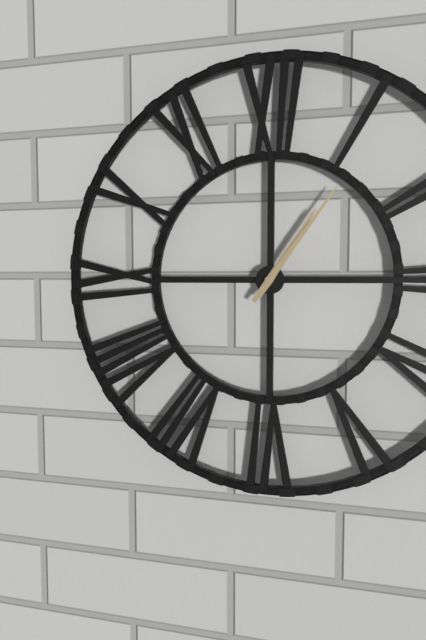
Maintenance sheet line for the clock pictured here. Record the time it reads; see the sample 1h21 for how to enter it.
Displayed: 1h06
